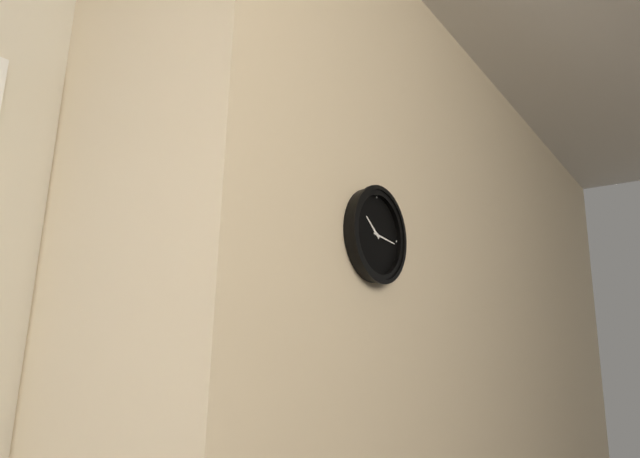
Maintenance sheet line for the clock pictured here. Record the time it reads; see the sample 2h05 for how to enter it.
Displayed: 10h16
